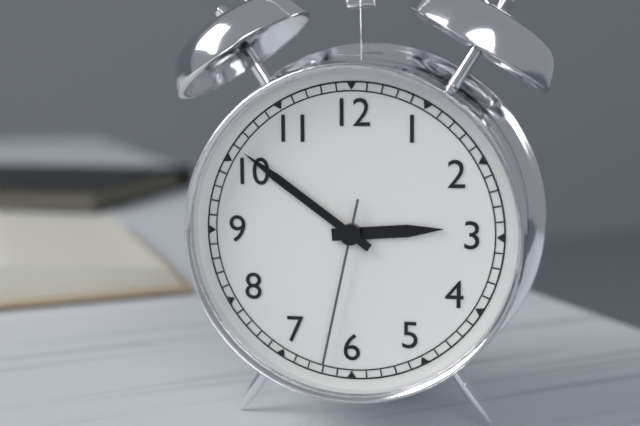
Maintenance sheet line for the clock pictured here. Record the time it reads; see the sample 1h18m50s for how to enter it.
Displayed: 2h51m32s
